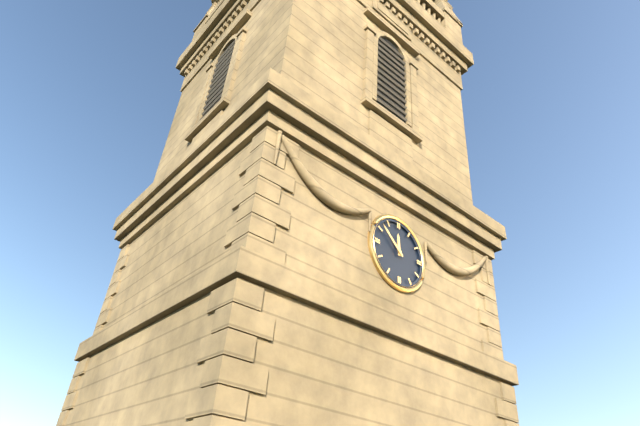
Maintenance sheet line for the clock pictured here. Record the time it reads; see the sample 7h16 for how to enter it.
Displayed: 11h52
